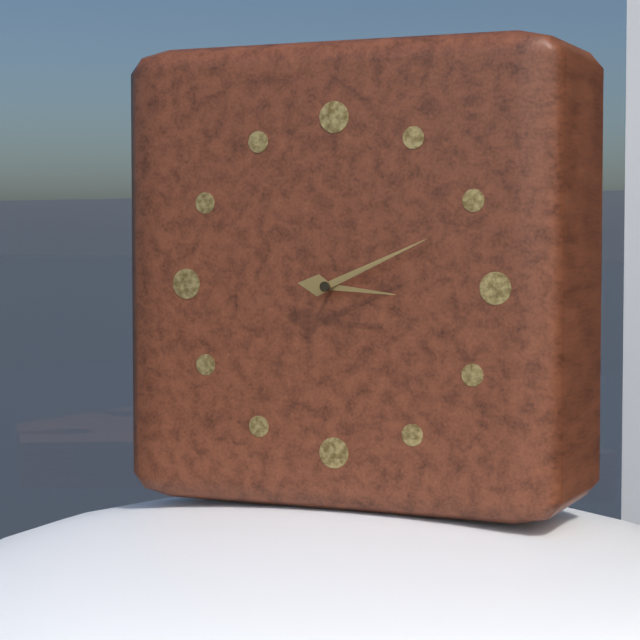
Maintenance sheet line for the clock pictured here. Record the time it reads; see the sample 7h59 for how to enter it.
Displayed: 3h11
